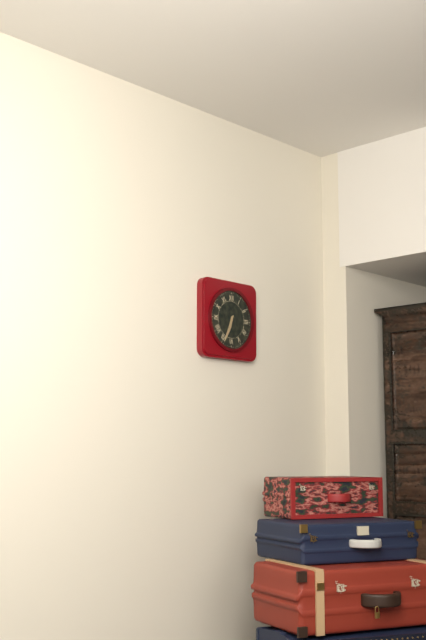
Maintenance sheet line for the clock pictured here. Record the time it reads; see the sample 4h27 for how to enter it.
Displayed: 6h34
